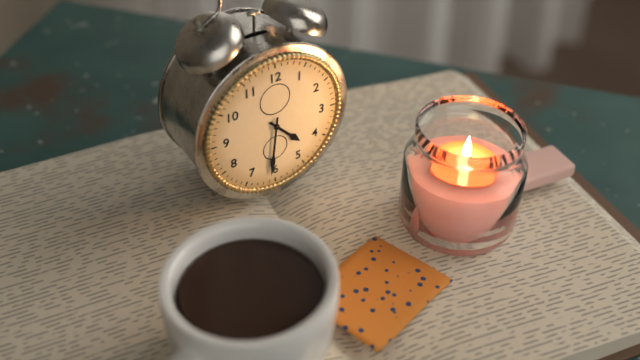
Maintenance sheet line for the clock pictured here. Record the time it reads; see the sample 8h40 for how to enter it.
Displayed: 4h31
